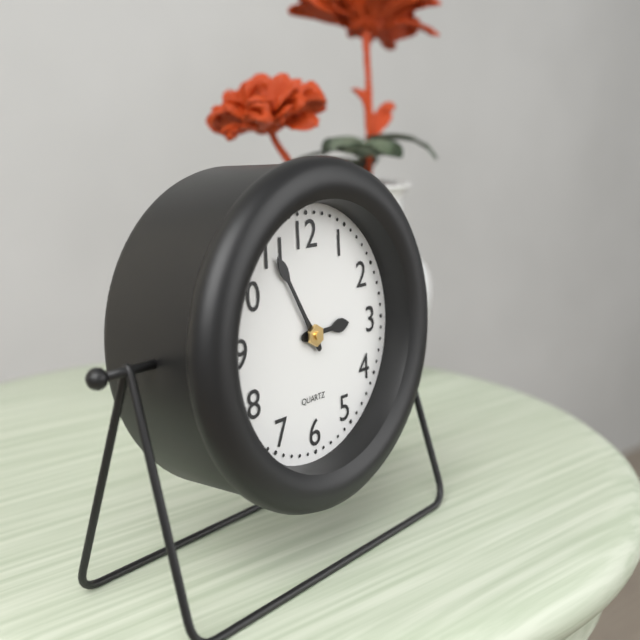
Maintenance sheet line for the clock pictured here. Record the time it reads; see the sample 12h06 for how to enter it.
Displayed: 2h55
